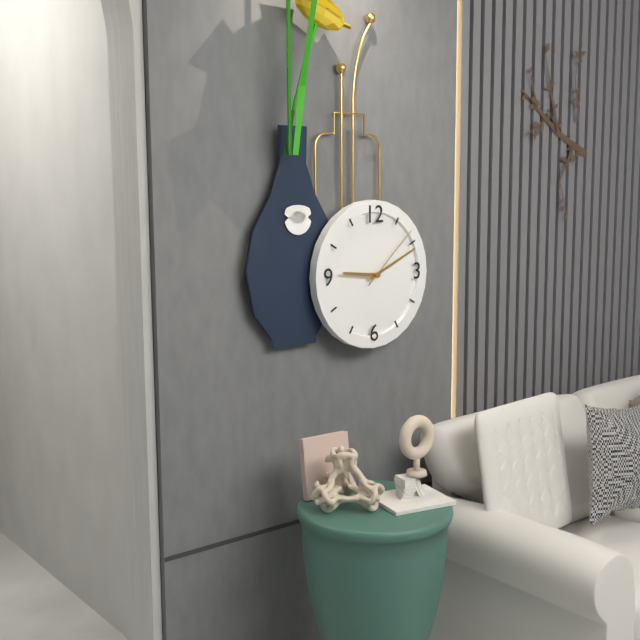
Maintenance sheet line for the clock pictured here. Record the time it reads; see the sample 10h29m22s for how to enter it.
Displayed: 9h11m08s
